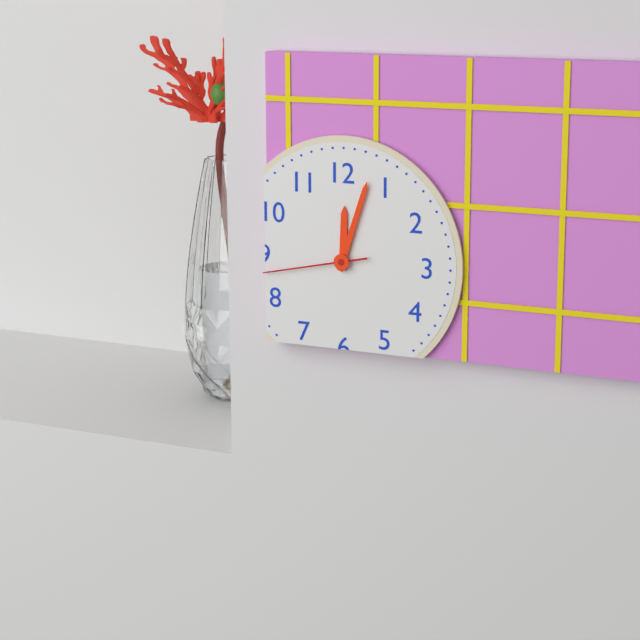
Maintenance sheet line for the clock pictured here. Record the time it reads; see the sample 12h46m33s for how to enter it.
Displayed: 12h03m43s
